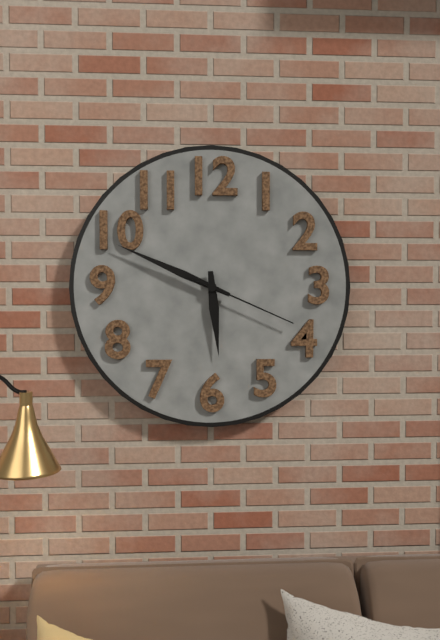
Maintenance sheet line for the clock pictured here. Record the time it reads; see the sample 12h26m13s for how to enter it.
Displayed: 5h49m19s
